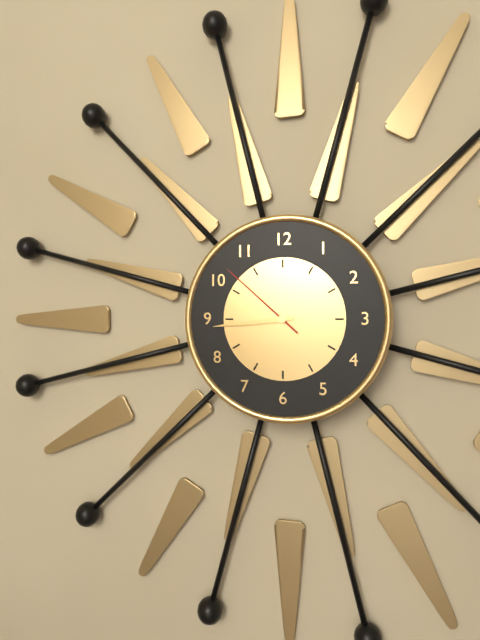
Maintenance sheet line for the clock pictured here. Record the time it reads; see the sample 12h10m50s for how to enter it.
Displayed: 8h44m52s
